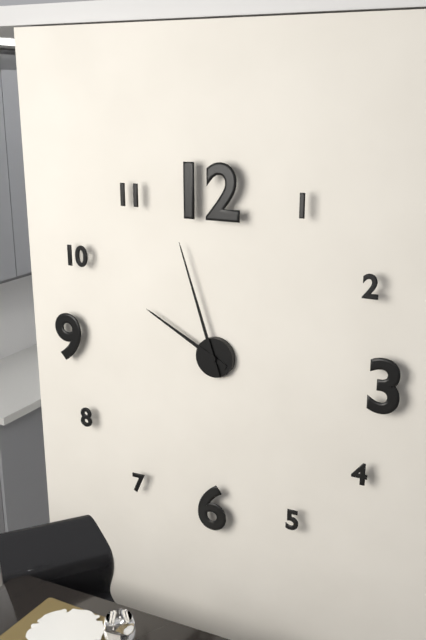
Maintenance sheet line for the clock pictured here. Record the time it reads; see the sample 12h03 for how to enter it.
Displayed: 9h57
